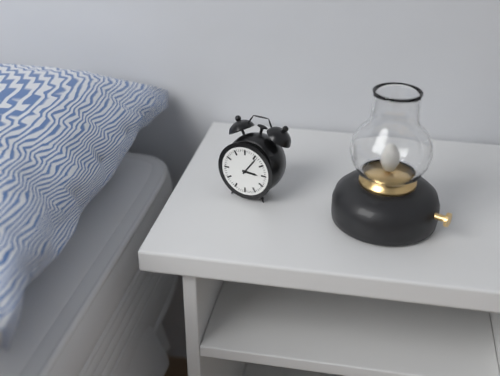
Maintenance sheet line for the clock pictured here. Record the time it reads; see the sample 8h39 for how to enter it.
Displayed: 3h06
